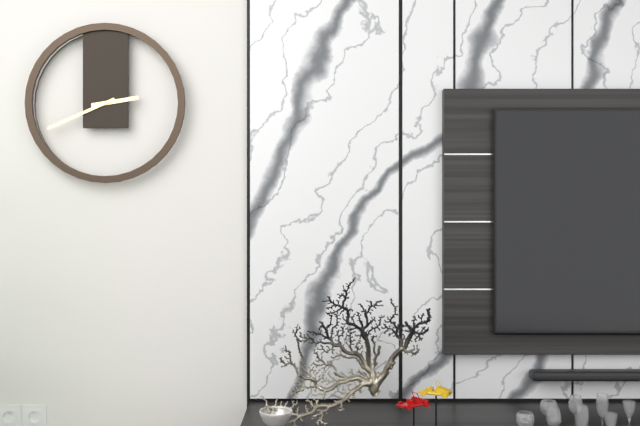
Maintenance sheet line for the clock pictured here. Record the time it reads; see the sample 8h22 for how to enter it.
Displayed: 2h41
